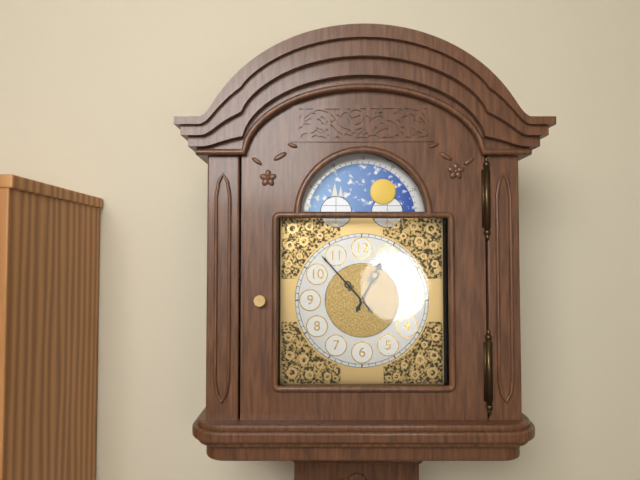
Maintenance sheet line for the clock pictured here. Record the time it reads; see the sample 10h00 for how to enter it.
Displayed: 12h53
